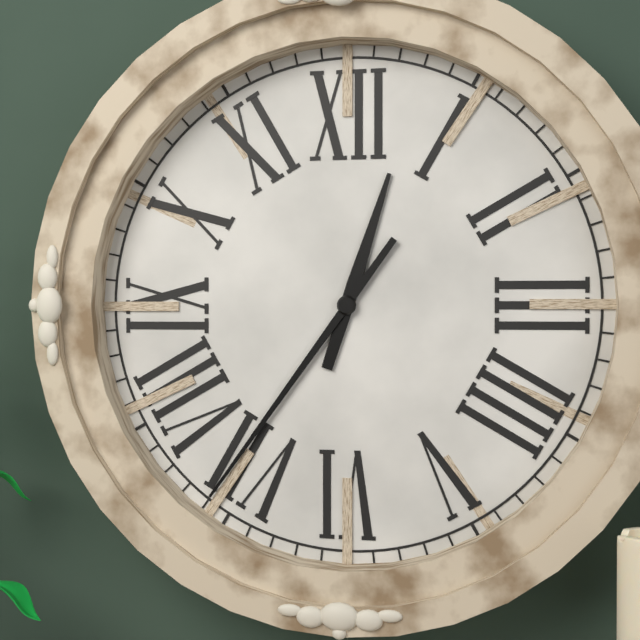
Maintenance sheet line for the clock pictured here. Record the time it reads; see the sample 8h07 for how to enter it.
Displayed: 12h36
